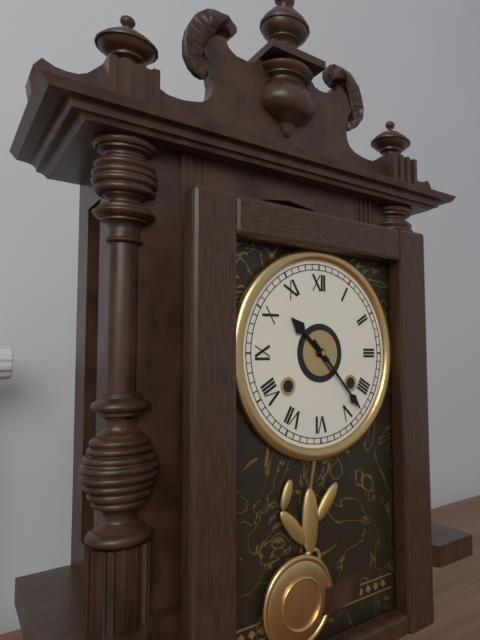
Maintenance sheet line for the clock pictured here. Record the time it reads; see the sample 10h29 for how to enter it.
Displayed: 10h23
